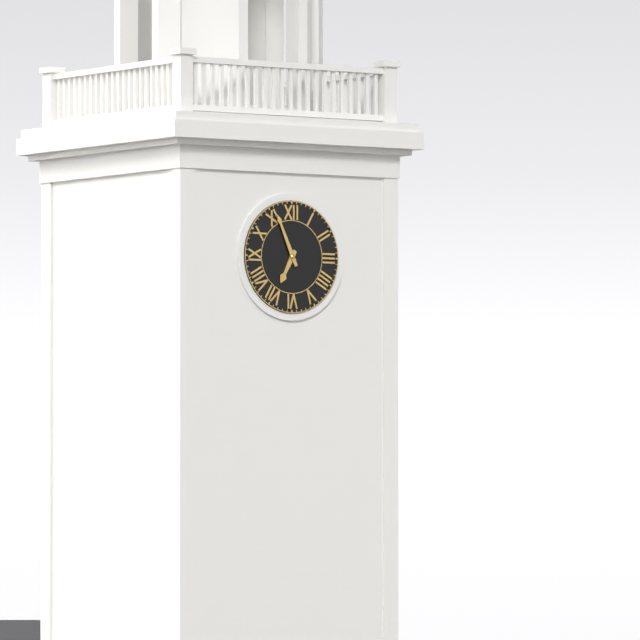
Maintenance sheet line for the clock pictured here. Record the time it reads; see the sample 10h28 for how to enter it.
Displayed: 6h56
